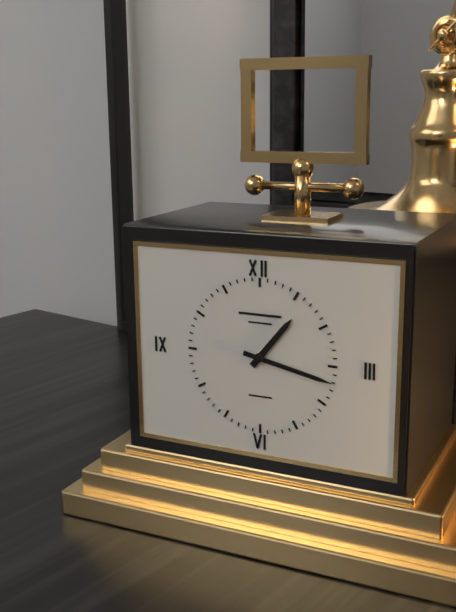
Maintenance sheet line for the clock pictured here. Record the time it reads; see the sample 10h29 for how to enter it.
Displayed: 1h17
